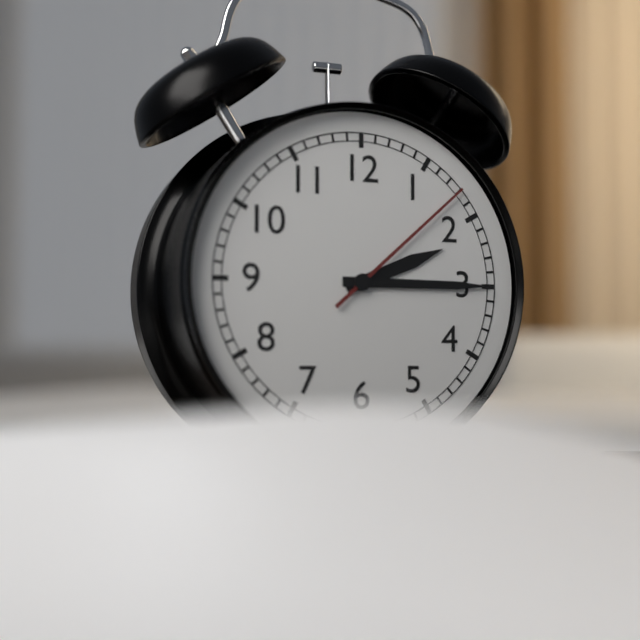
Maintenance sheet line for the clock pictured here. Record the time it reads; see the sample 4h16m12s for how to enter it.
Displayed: 2h15m08s
